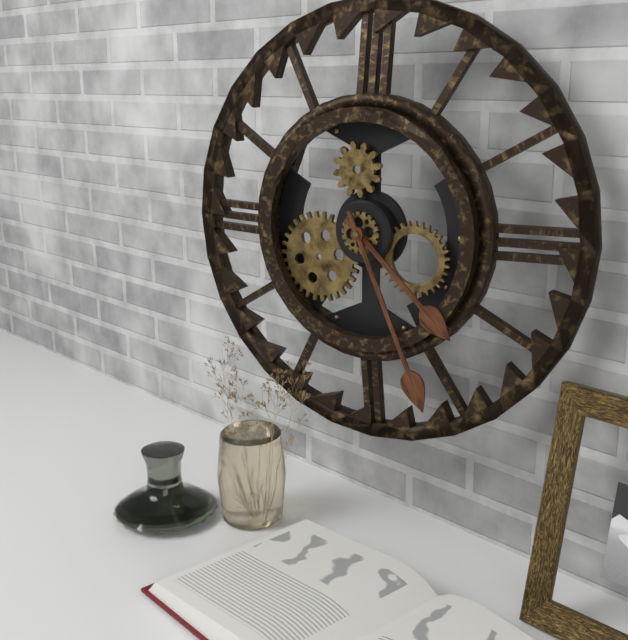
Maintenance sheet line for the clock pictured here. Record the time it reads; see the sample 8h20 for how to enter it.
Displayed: 4h26
